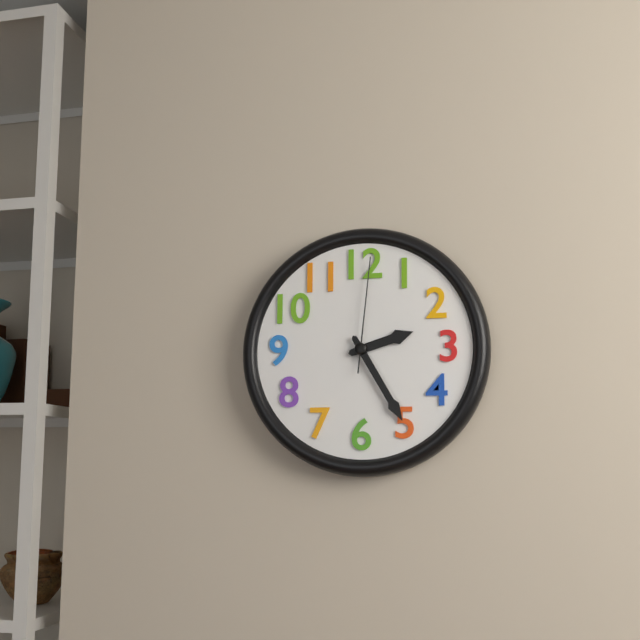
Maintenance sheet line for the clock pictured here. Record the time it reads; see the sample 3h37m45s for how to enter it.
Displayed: 2h25m01s
